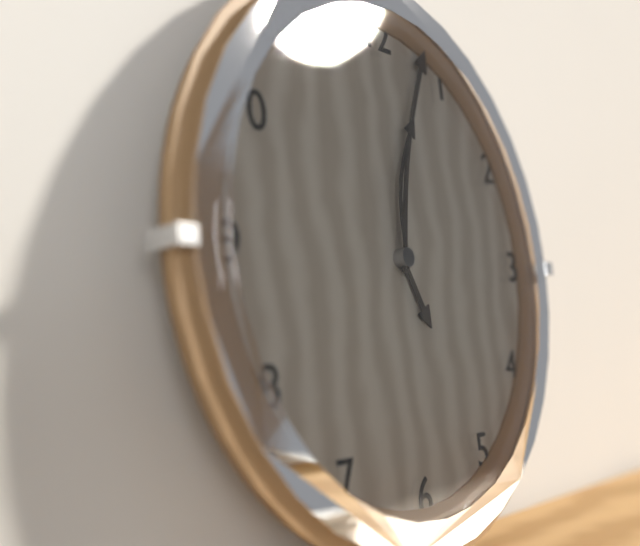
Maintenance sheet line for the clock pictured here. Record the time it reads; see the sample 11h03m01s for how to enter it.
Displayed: 5h03m02s
